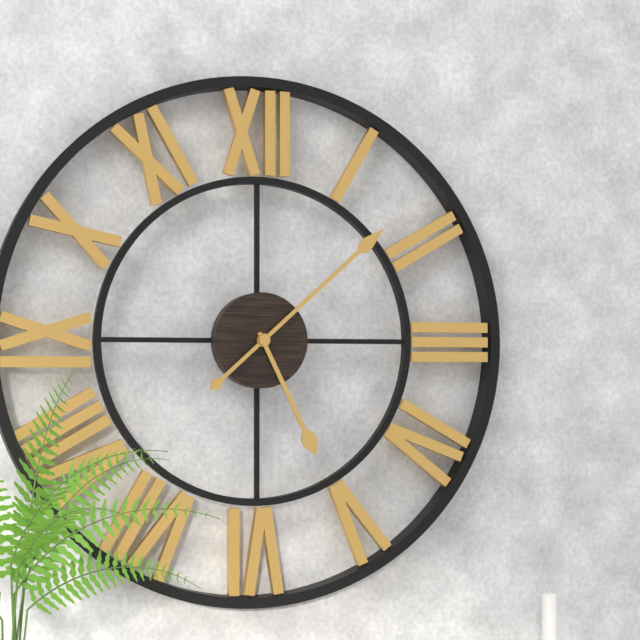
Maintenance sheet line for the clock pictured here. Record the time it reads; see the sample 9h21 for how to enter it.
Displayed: 5h08
